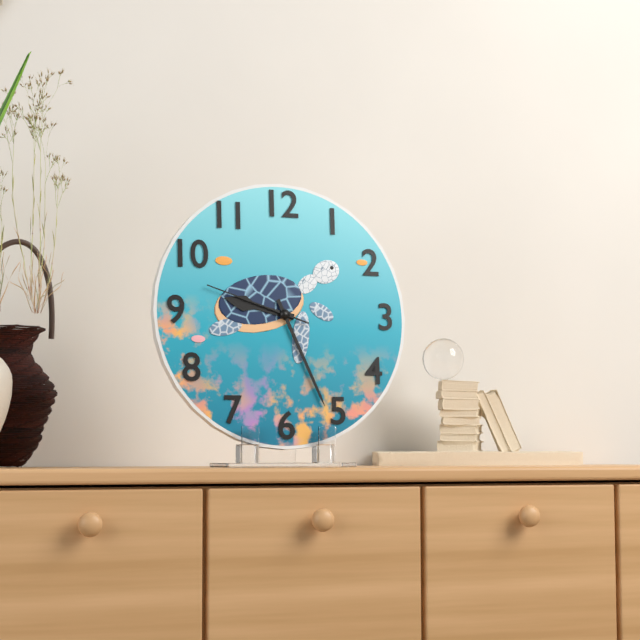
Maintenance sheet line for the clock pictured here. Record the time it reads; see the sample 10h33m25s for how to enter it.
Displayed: 9h26m48s
